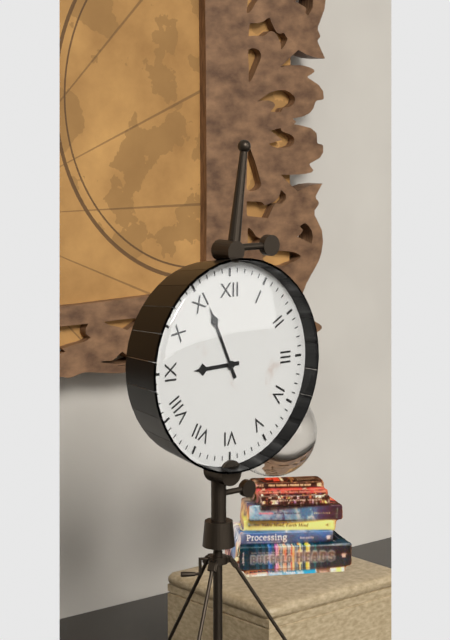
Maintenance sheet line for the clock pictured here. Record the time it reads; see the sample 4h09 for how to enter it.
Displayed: 8h56
